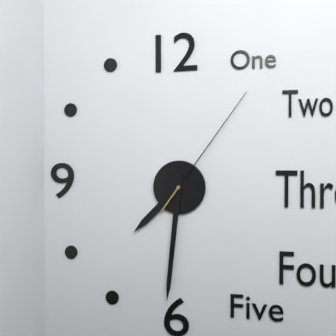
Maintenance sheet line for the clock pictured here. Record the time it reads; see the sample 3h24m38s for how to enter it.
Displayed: 7h31m06s
